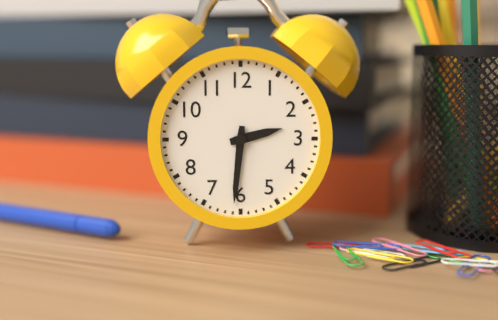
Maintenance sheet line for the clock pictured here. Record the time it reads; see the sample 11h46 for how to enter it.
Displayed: 2h31
